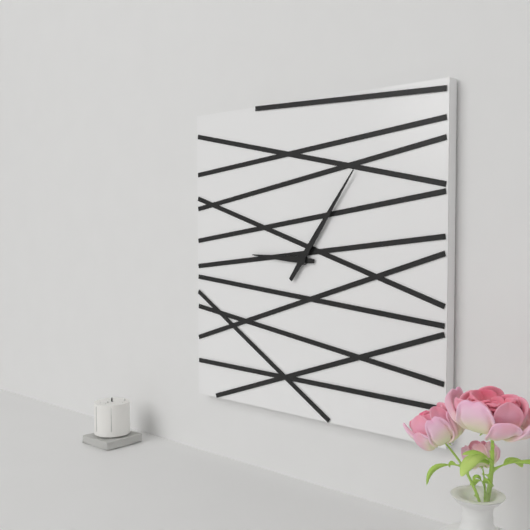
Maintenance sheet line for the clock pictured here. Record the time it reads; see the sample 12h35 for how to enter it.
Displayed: 9h06
